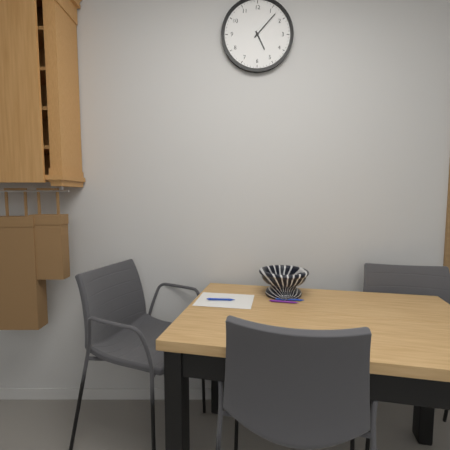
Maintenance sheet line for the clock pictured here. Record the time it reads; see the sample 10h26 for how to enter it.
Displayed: 5h07
